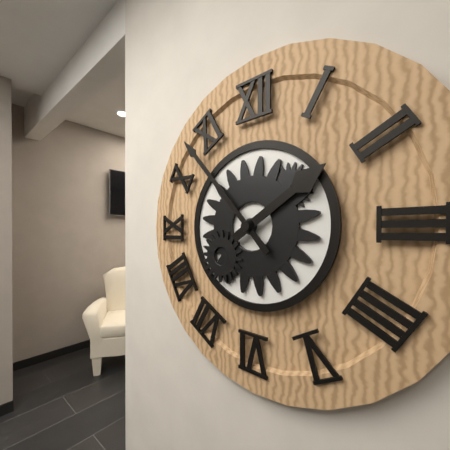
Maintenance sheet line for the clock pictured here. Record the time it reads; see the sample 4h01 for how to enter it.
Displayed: 1h53
